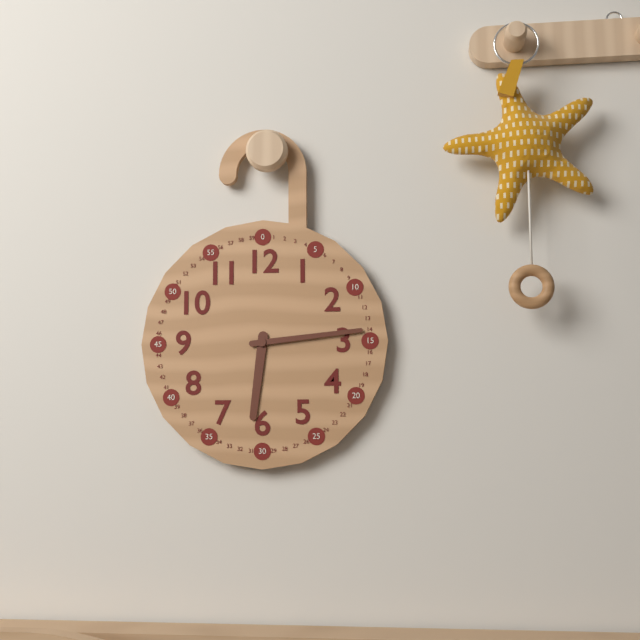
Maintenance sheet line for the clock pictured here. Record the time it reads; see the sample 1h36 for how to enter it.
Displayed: 6h14
